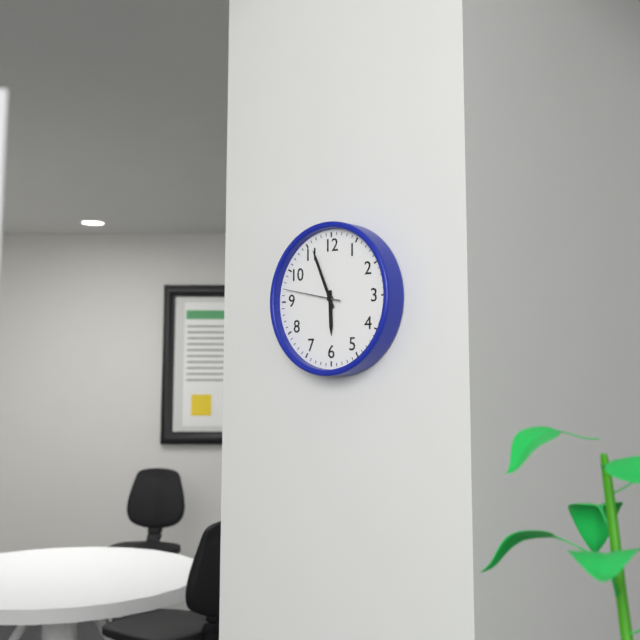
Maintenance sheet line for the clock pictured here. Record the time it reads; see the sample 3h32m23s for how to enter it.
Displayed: 5h56m47s
